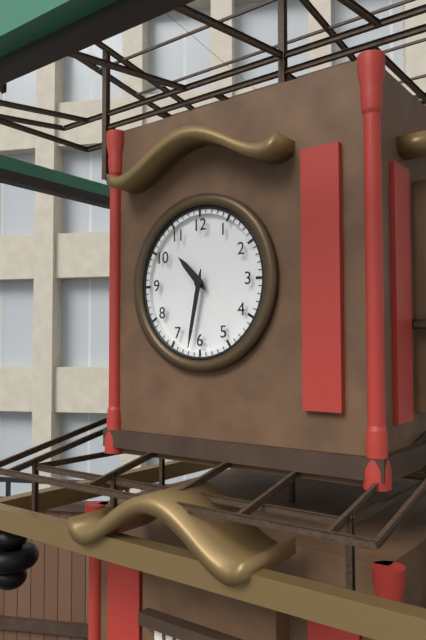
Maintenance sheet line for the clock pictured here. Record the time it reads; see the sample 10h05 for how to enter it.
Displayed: 10h32
